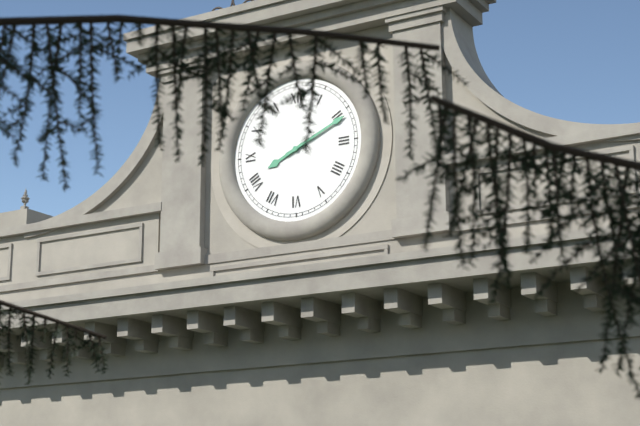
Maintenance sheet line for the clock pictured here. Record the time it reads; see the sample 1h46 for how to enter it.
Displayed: 8h11
